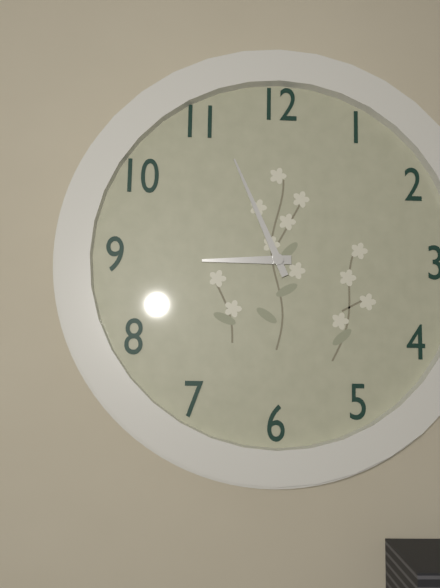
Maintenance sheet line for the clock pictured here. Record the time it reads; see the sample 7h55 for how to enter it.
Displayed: 8h56
